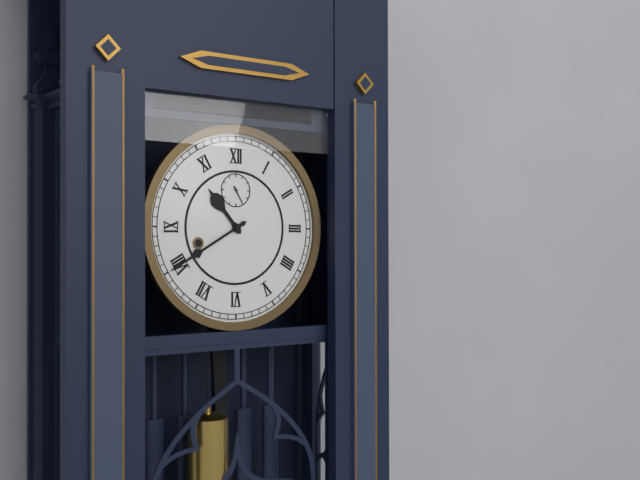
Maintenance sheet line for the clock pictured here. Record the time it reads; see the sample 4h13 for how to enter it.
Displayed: 10h40
